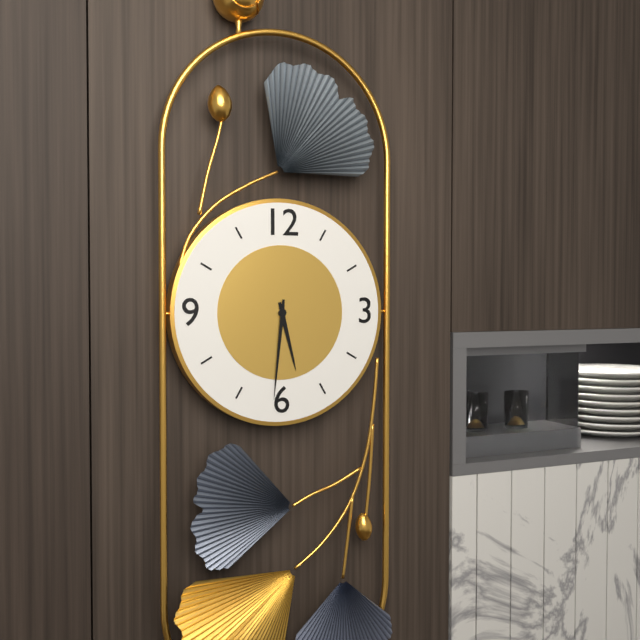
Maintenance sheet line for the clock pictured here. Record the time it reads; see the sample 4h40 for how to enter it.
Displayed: 5h31
